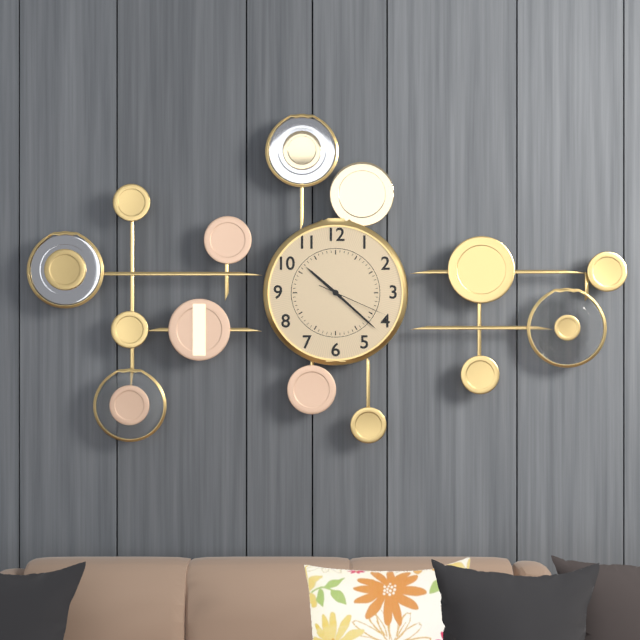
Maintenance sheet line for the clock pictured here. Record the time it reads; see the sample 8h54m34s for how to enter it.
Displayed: 10h22m19s
